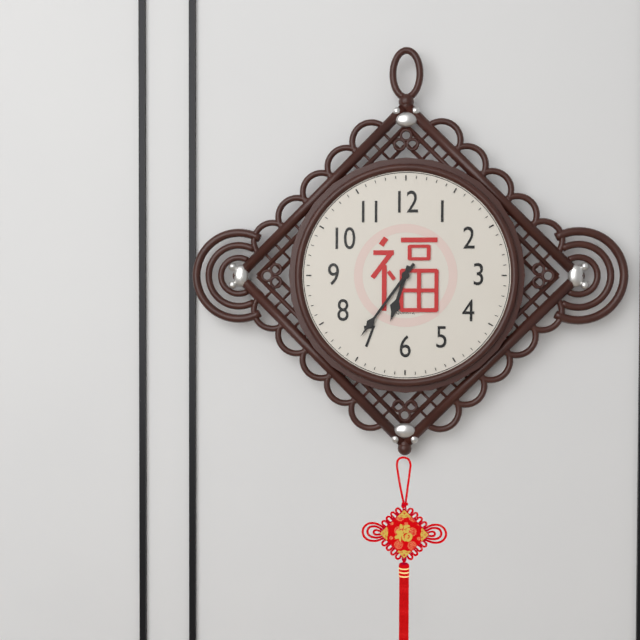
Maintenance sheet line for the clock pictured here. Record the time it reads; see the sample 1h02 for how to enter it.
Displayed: 6h36
